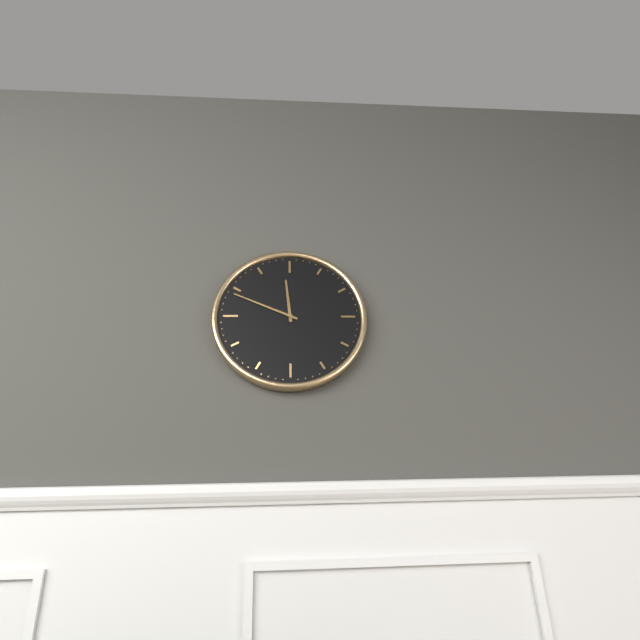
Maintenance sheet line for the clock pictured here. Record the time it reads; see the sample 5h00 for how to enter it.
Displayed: 11h49
